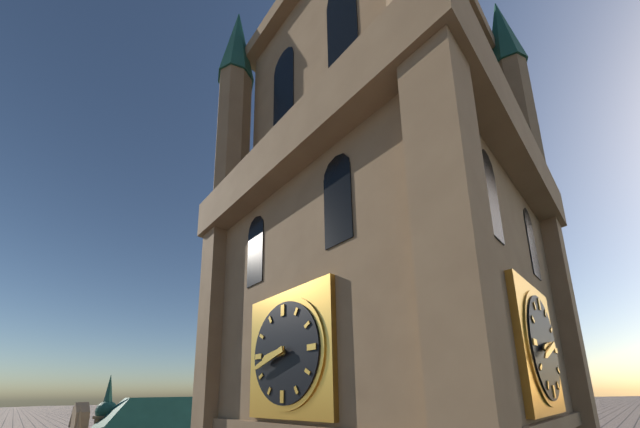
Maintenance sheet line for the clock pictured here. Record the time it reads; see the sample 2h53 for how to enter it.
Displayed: 8h42
